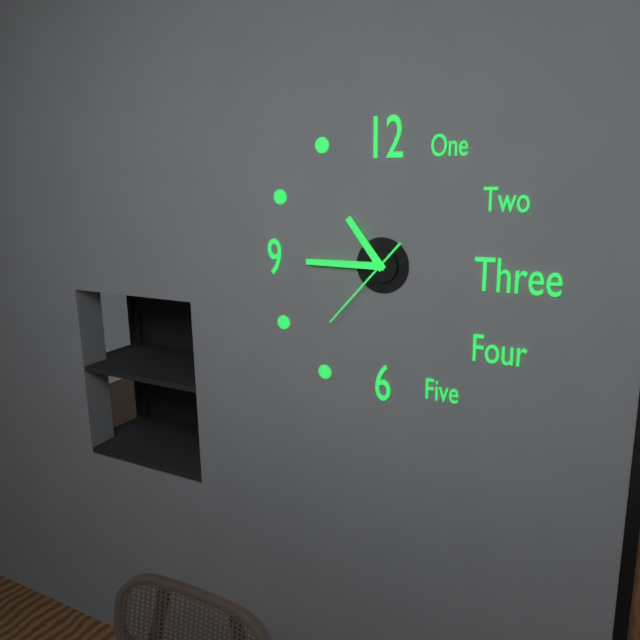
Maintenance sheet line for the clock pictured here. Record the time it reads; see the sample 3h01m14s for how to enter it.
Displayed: 10h45m37s
